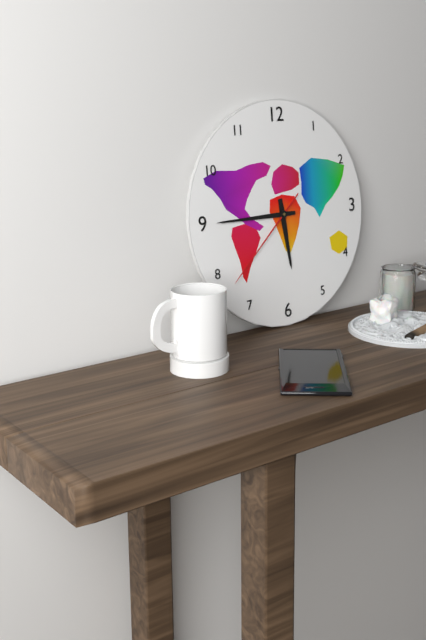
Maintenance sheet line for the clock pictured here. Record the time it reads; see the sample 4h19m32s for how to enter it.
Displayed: 5h45m38s
